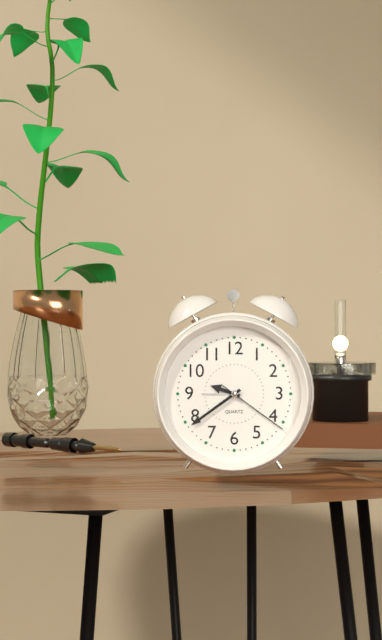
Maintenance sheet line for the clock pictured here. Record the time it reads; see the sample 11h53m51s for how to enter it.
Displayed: 9h39m21s
